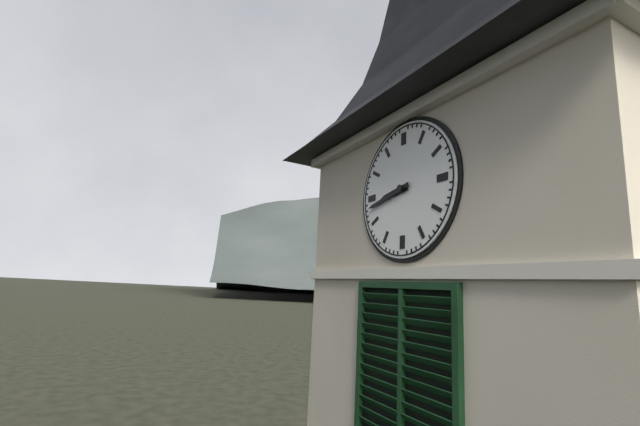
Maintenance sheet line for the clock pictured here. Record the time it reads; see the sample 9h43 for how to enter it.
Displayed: 8h43
